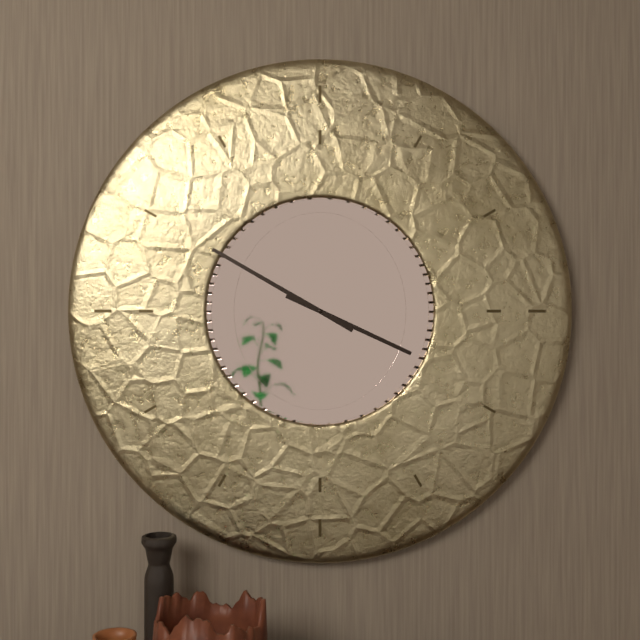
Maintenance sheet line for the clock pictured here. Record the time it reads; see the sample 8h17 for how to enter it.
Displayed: 3h50
